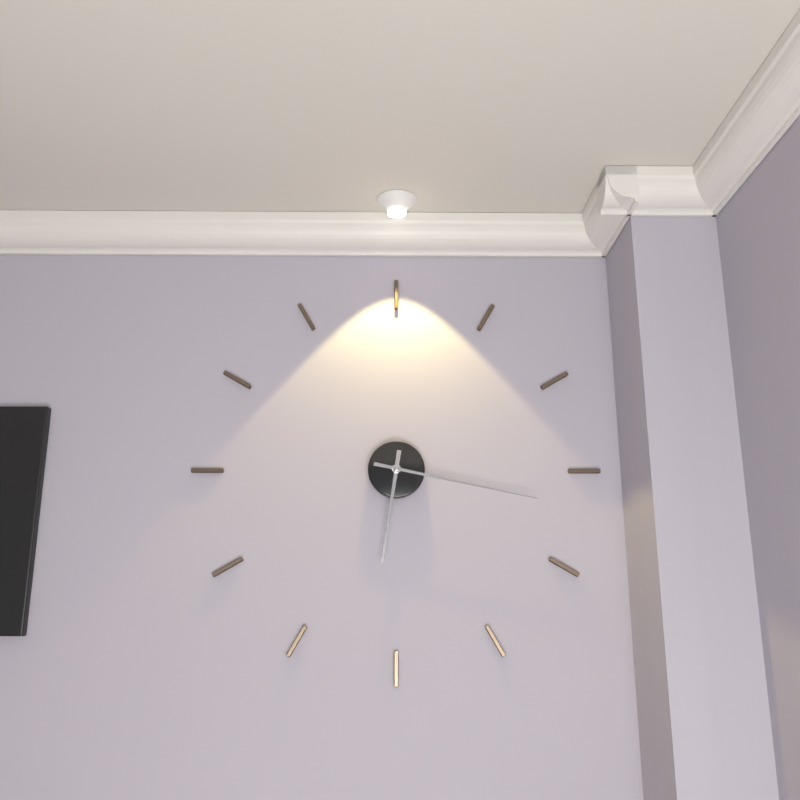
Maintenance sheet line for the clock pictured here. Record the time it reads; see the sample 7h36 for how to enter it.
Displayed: 6h17
